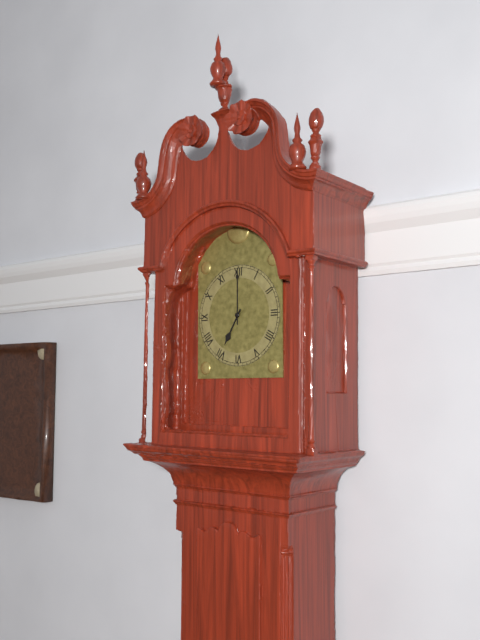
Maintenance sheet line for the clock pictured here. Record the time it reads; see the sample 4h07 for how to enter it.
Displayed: 7h00
